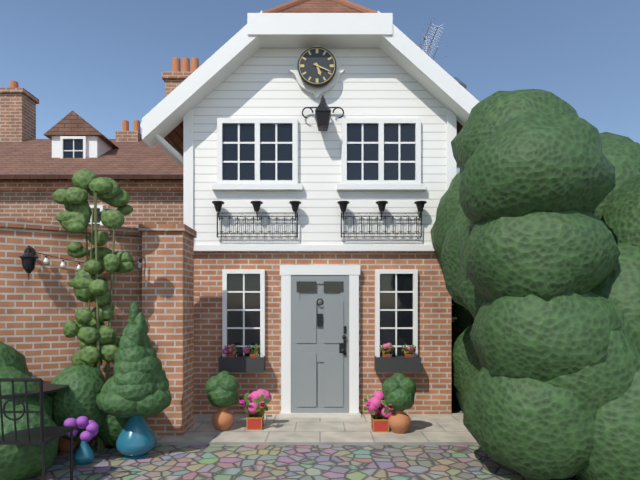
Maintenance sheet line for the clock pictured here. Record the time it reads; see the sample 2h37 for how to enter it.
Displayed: 5h19
